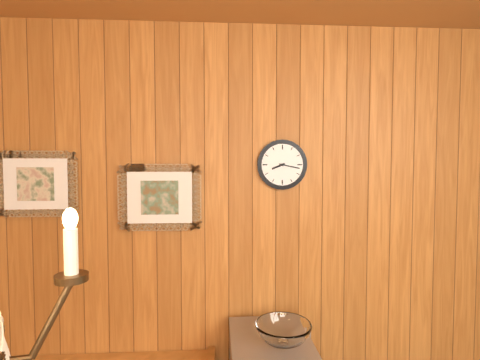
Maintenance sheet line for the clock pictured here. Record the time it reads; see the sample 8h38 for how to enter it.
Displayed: 8h17
